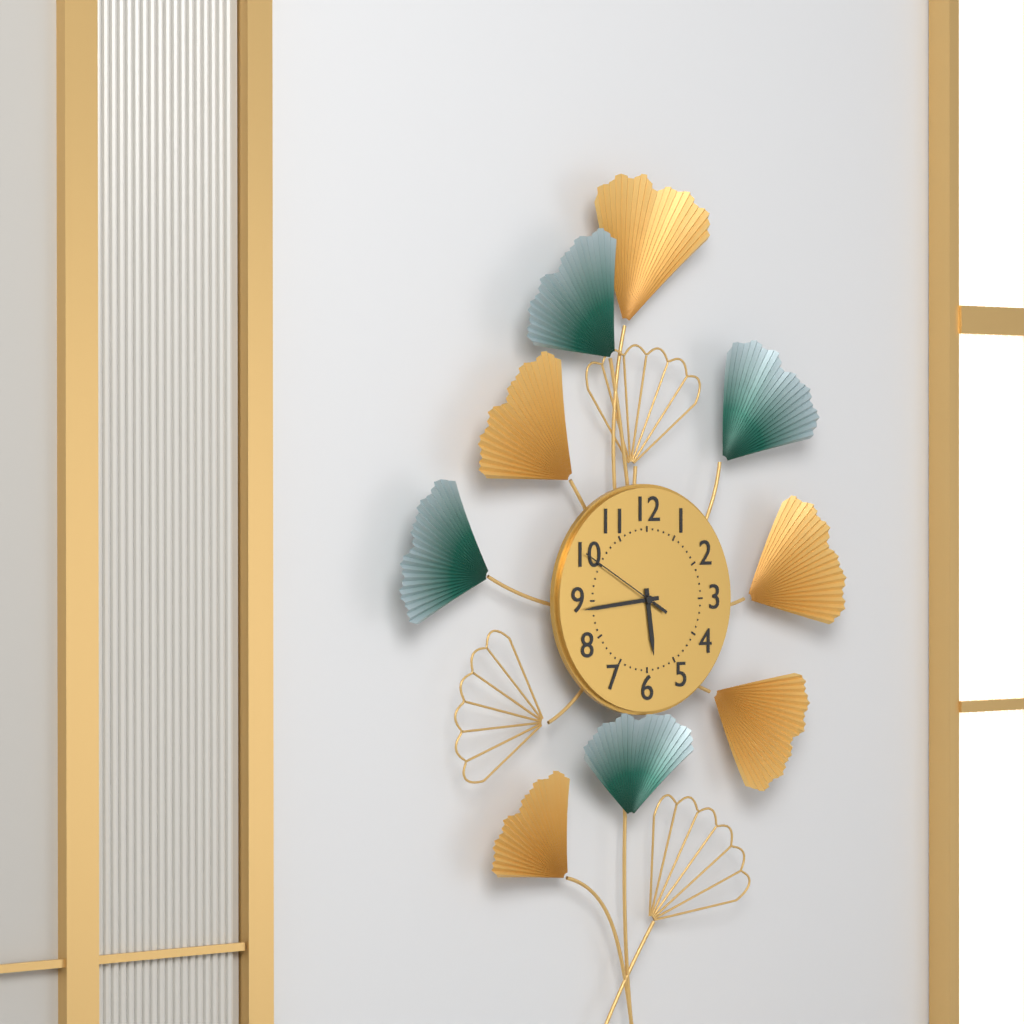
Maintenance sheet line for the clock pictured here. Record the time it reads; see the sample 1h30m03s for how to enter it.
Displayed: 5h44m50s
